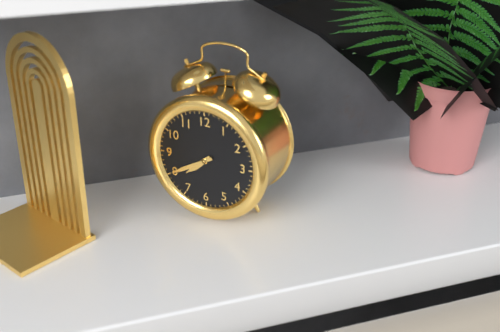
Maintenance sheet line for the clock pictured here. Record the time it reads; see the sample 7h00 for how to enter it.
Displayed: 7h40
